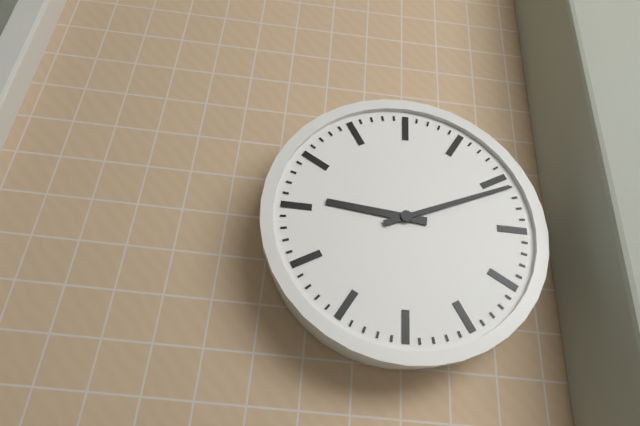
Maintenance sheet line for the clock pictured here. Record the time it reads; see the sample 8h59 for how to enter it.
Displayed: 9h11
